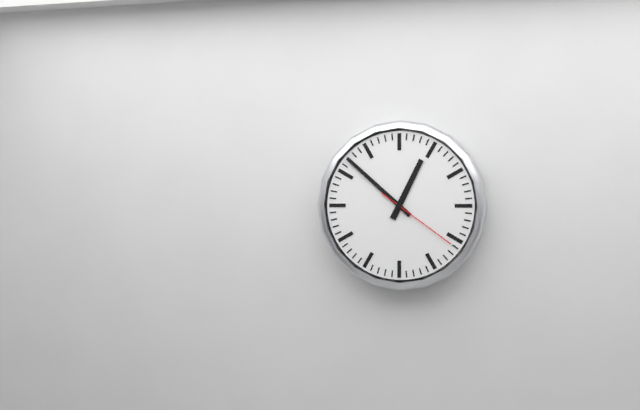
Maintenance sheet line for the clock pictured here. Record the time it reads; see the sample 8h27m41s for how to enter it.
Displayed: 12h52m21s
